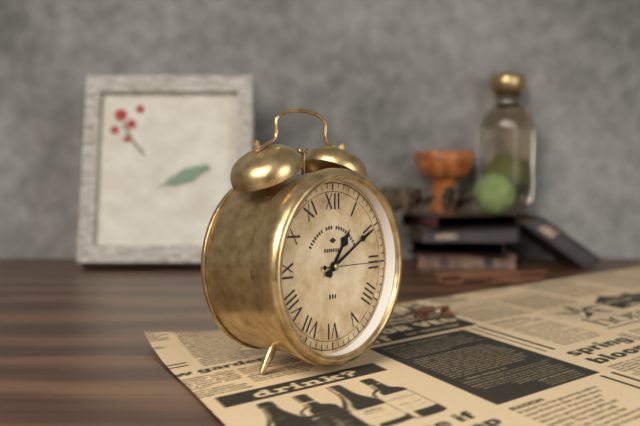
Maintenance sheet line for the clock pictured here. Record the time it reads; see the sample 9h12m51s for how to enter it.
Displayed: 1h10m15s
